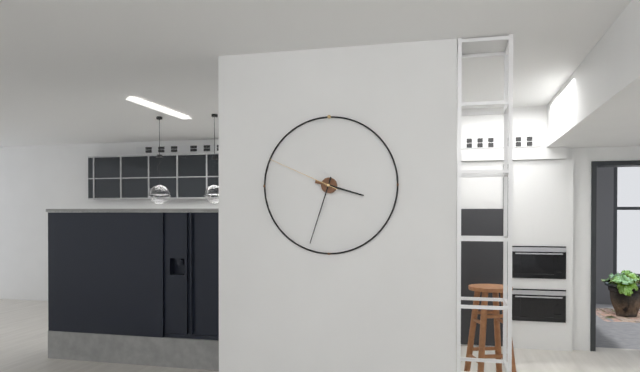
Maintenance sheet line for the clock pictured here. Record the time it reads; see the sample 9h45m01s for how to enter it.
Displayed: 3h33m49s
